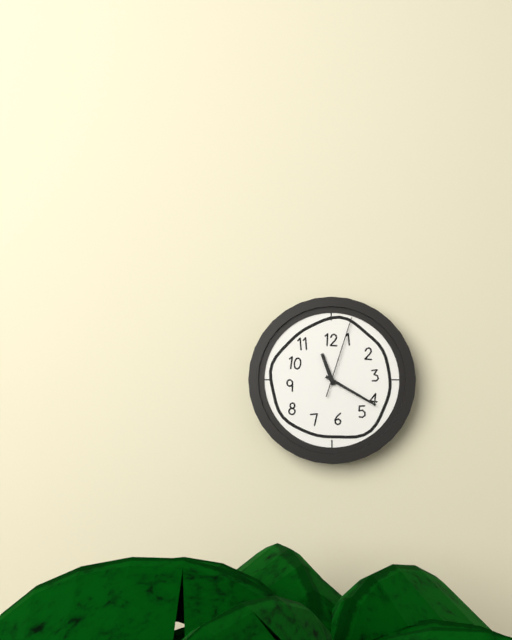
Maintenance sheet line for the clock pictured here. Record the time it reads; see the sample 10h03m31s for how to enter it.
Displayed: 11h20m03s
